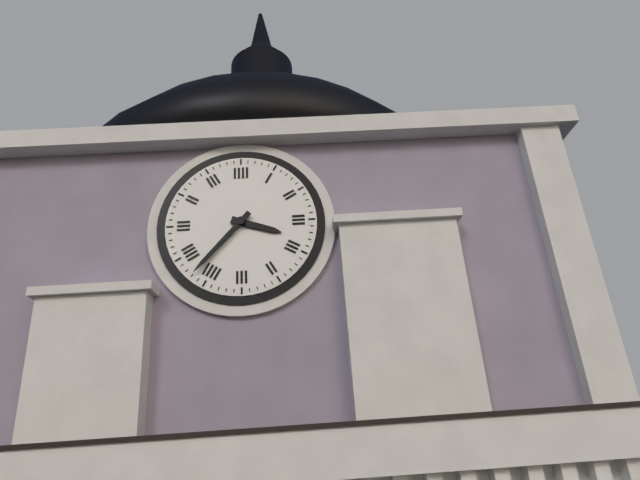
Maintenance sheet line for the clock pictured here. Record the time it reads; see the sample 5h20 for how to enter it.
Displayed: 3h37
